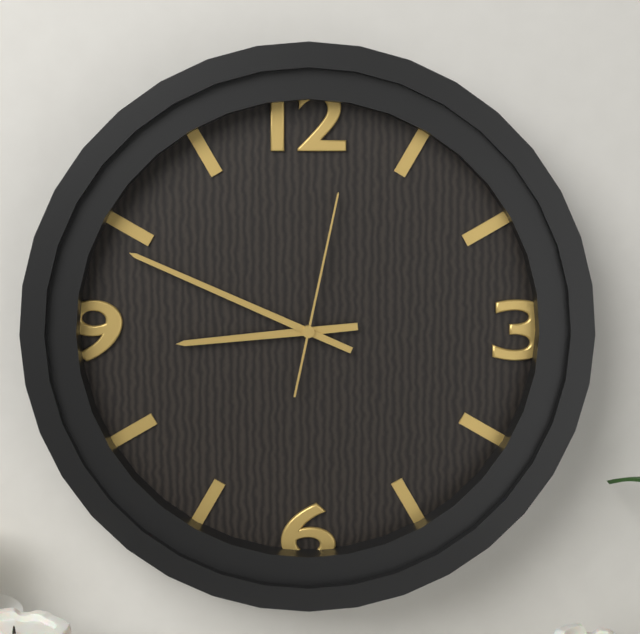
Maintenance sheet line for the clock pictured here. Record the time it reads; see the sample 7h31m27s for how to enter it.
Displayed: 8h49m02s
